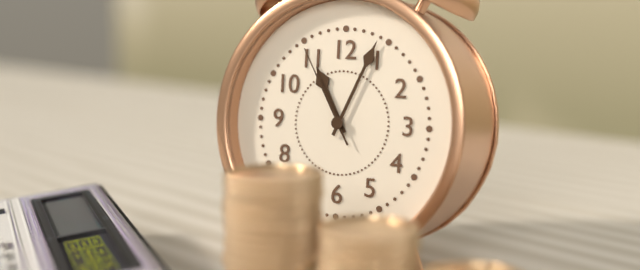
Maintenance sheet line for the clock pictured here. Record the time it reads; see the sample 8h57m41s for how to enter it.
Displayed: 11h04m55s
